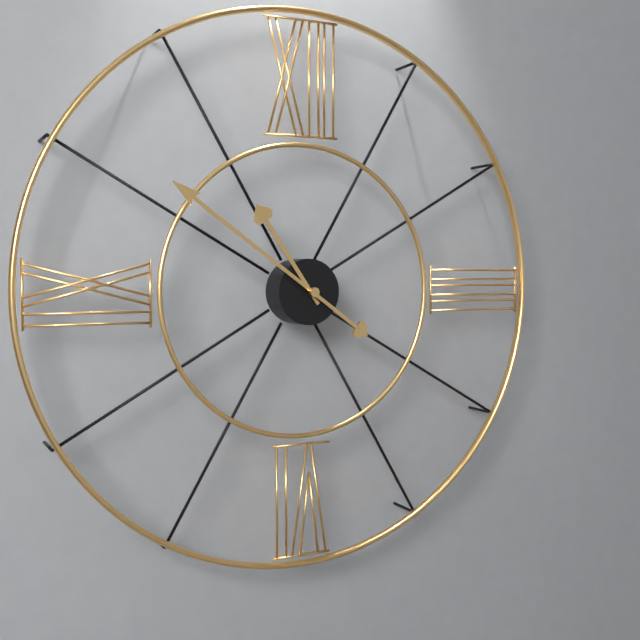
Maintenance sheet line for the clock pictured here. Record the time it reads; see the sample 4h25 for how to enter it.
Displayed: 10h51
